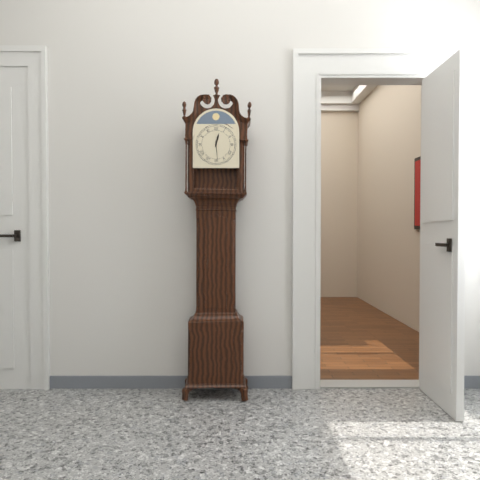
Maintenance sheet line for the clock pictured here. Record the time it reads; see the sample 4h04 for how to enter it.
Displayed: 12h29
